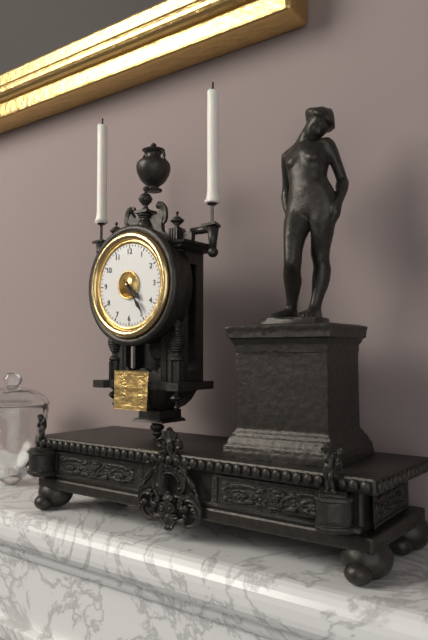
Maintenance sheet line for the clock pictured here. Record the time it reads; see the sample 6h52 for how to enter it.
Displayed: 4h24
